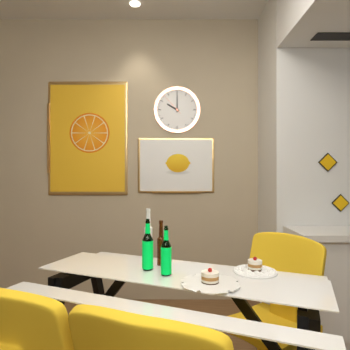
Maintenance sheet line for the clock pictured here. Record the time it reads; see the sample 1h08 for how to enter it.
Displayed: 10h00
